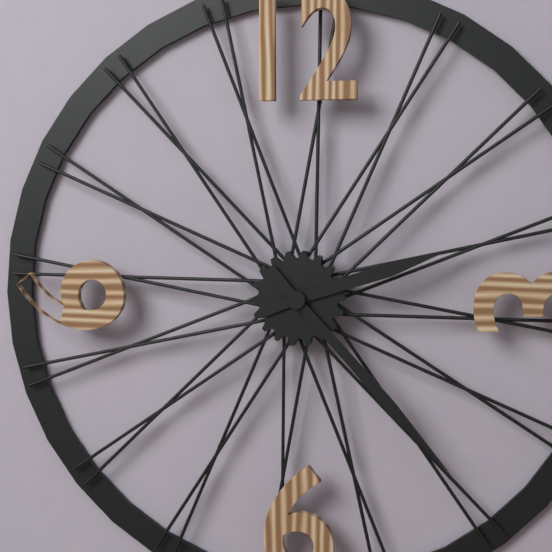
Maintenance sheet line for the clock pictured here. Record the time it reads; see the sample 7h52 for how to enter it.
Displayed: 2h23
